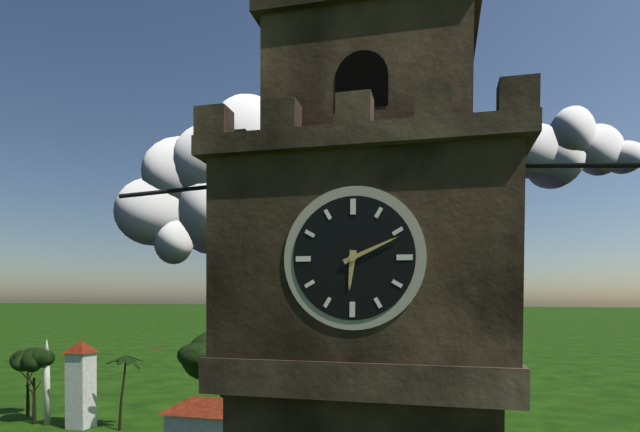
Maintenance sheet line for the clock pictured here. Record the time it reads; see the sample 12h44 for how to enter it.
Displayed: 6h11
